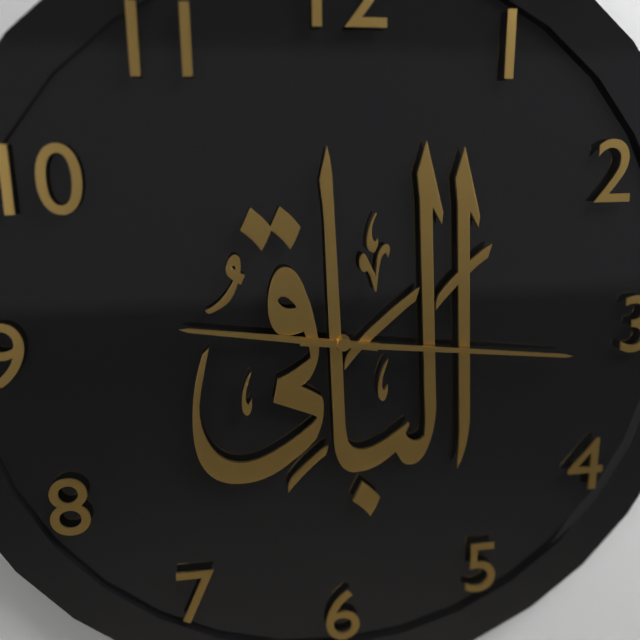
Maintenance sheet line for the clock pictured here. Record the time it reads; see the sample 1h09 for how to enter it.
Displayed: 9h16
